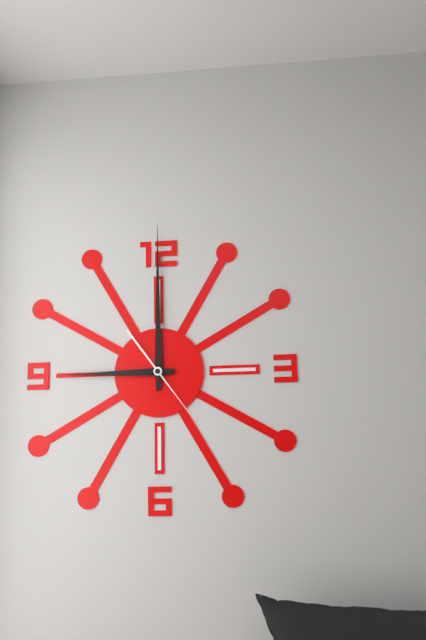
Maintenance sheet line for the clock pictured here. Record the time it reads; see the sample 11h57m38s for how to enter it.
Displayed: 9h00m24s
